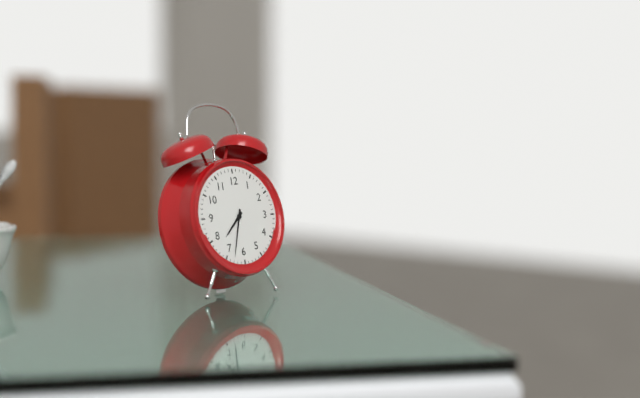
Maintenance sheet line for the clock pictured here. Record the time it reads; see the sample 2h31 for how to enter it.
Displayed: 7h33
